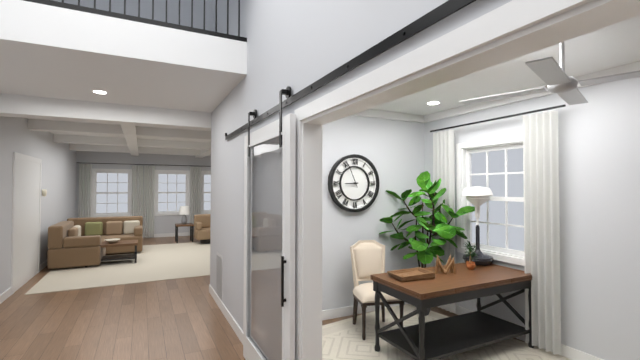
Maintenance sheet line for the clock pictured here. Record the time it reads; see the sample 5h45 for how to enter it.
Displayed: 8h56
